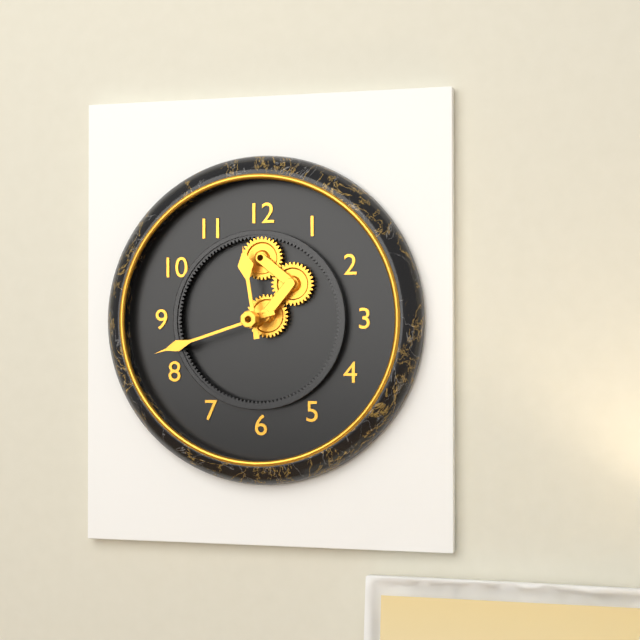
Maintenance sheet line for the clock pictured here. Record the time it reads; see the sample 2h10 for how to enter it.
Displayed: 11h42
